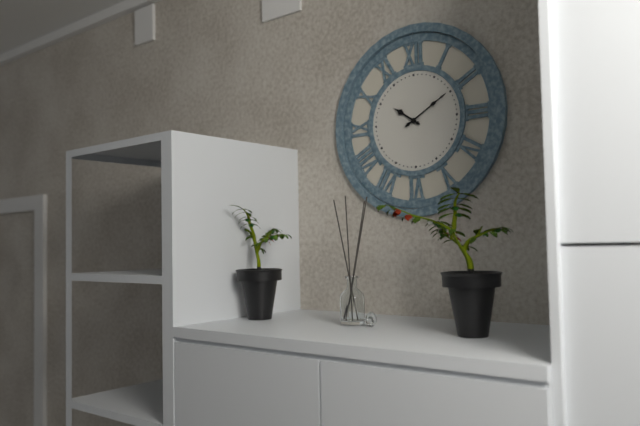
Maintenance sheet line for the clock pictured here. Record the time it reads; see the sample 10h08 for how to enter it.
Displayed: 10h10
